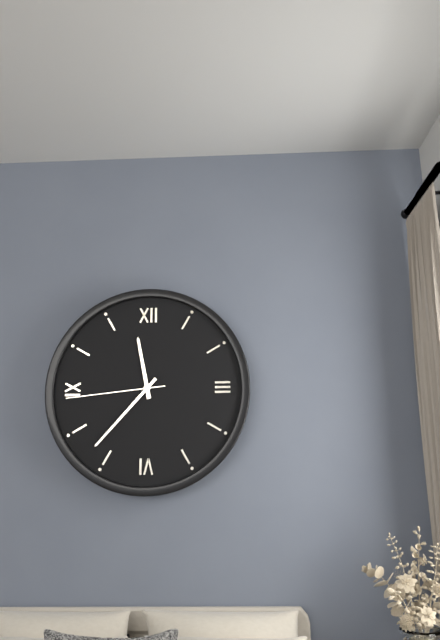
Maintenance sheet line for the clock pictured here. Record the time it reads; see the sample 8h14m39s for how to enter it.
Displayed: 11h37m44s
